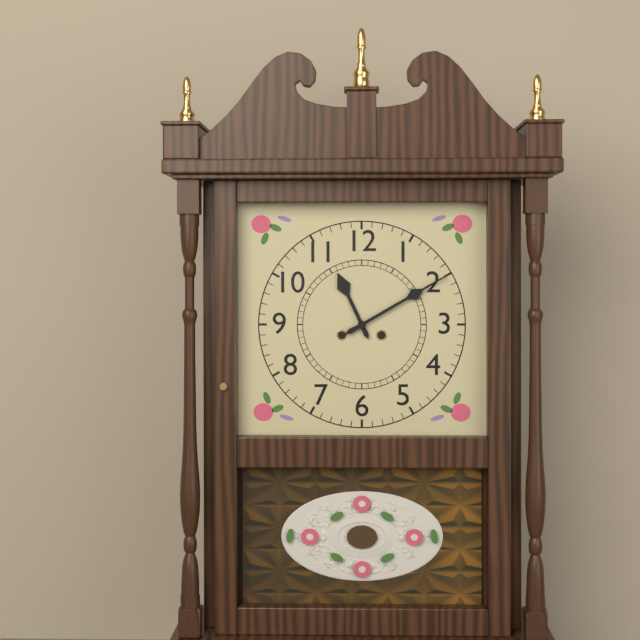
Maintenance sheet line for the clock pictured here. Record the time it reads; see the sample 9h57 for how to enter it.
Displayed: 11h10
